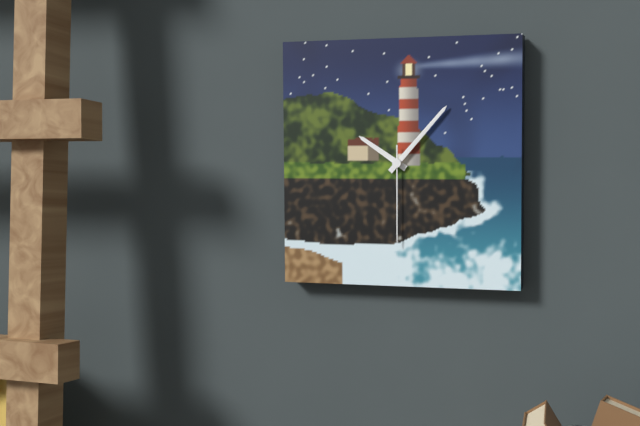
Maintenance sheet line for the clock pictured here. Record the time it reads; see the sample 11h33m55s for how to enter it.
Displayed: 10h07m30s
